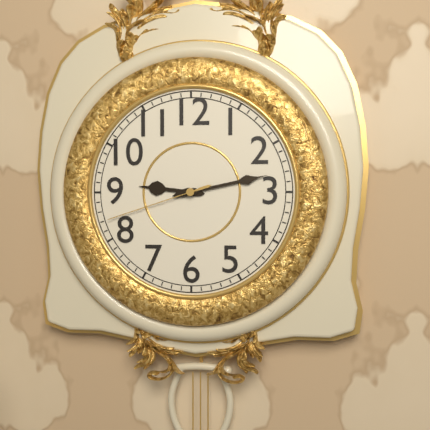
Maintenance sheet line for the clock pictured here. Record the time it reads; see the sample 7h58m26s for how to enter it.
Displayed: 9h13m42s
